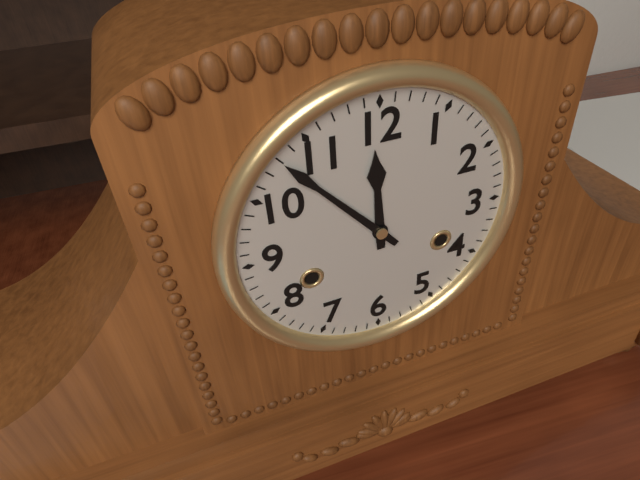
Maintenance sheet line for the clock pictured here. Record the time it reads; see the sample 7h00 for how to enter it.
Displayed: 11h53
